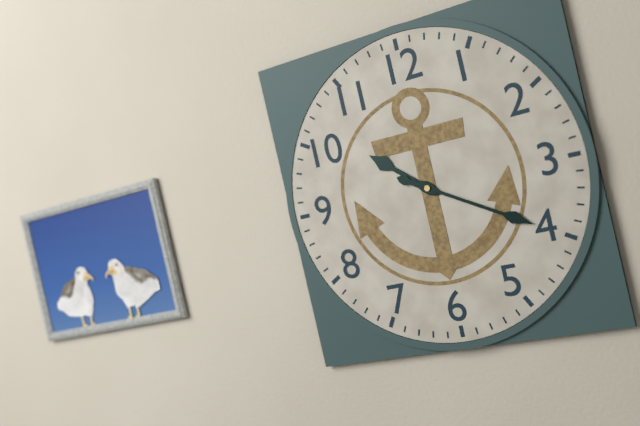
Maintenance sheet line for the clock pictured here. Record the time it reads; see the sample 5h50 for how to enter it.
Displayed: 10h20
